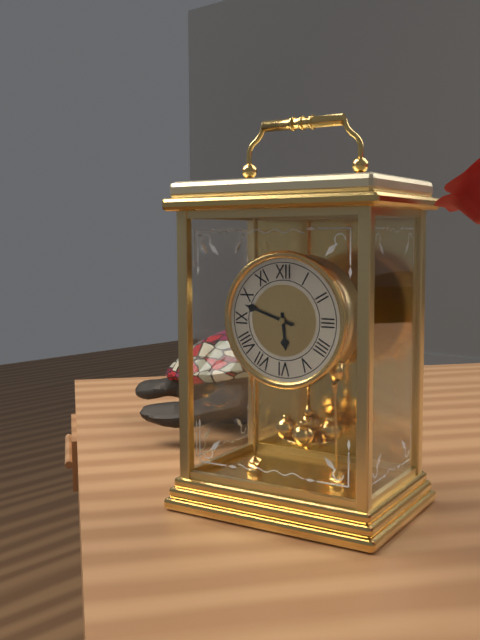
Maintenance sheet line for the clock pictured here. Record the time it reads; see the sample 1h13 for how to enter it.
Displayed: 5h48
